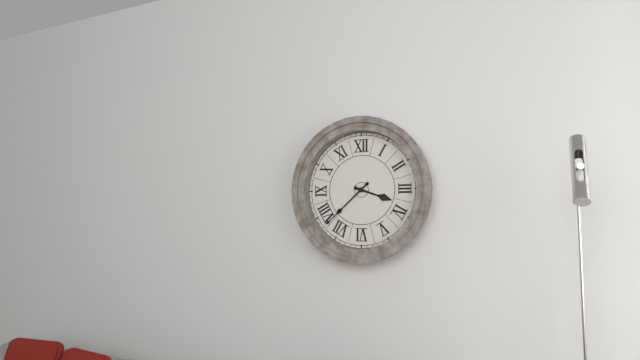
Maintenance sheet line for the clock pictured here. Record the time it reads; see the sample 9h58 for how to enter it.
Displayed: 3h38
